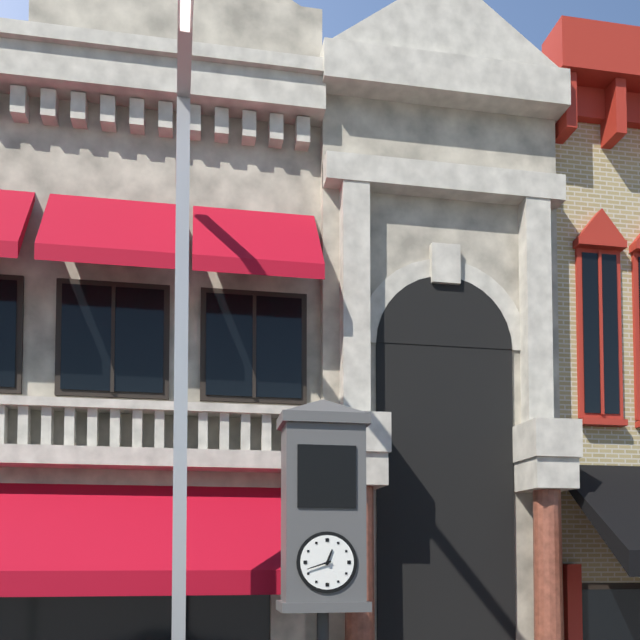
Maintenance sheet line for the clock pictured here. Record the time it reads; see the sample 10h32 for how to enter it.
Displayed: 12h42
